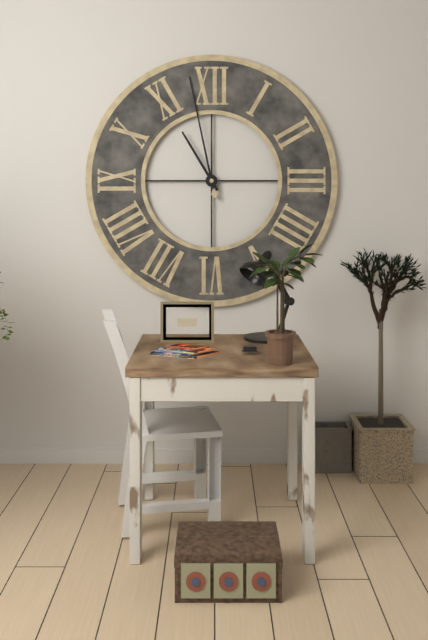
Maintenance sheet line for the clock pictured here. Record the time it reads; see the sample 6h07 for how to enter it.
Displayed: 10h58
